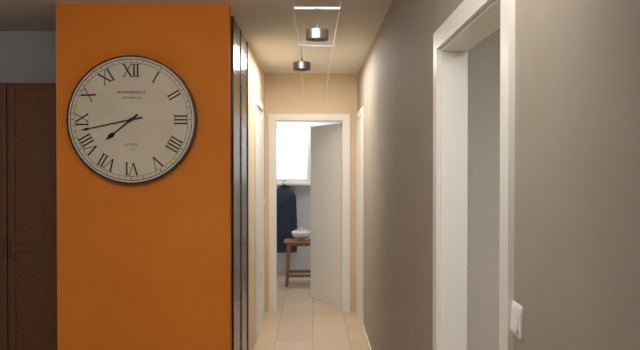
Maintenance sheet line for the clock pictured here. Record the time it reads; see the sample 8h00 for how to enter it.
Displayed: 7h43
